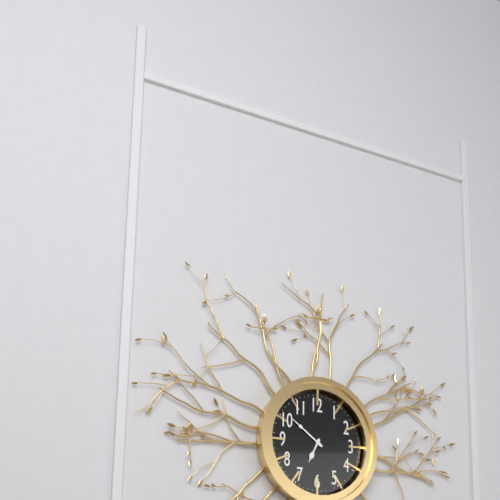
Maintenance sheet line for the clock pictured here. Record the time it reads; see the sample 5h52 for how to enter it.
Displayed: 6h51
